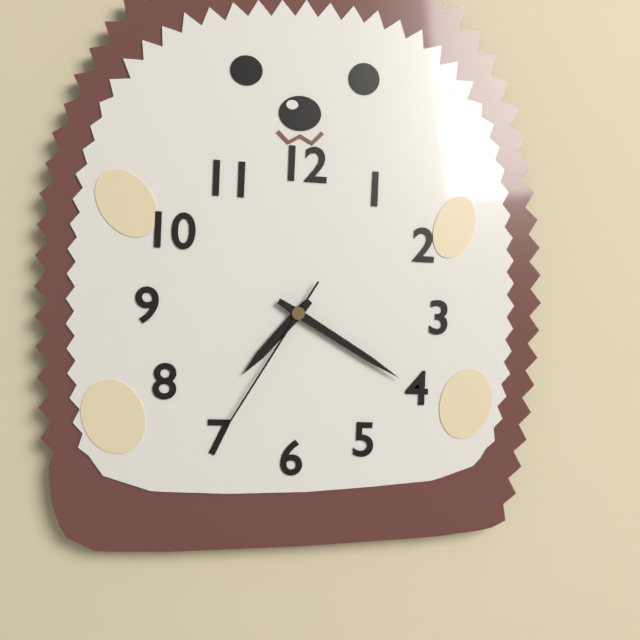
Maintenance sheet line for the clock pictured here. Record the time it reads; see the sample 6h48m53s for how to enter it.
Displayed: 7h20m35s
